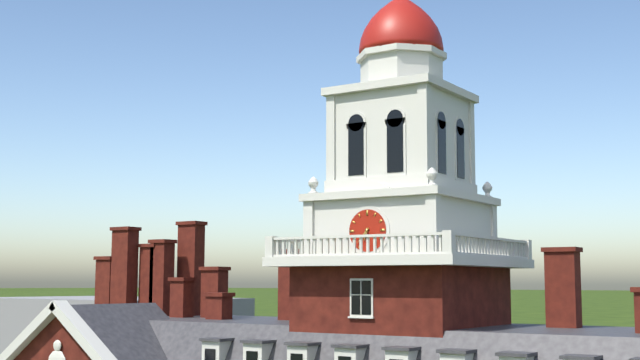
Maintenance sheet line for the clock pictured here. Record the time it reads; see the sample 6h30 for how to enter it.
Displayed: 6h37
